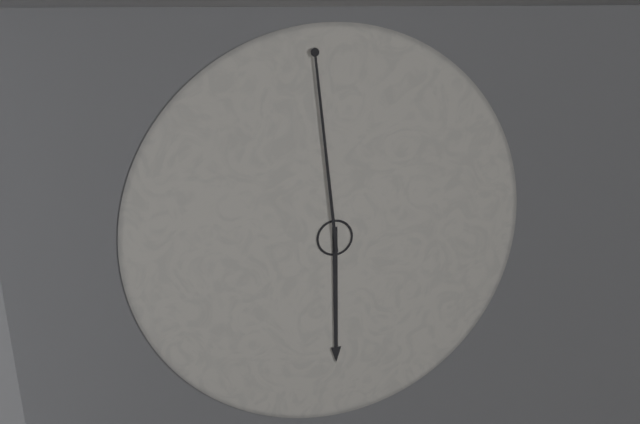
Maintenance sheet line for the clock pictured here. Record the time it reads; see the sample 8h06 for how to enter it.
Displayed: 5h59
